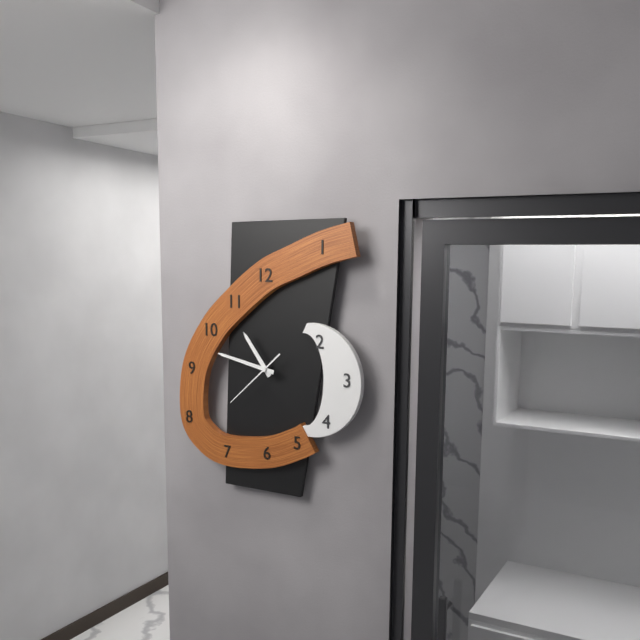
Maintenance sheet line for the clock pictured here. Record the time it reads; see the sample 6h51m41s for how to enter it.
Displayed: 10h47m38s
